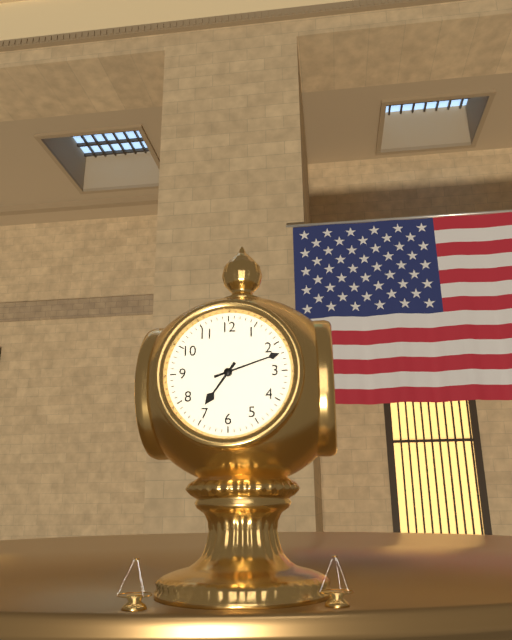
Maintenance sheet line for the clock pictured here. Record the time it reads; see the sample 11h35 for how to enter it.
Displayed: 7h12
